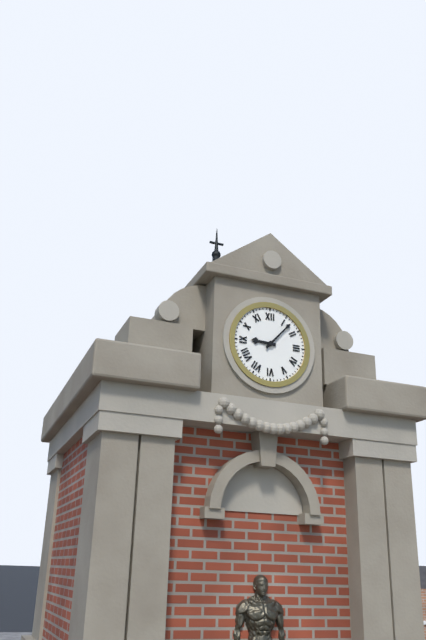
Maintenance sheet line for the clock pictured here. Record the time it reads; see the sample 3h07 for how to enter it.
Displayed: 9h07
